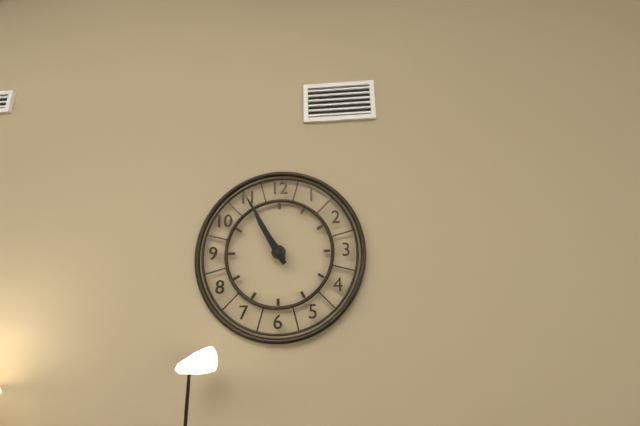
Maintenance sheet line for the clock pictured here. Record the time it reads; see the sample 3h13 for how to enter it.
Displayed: 10h55
